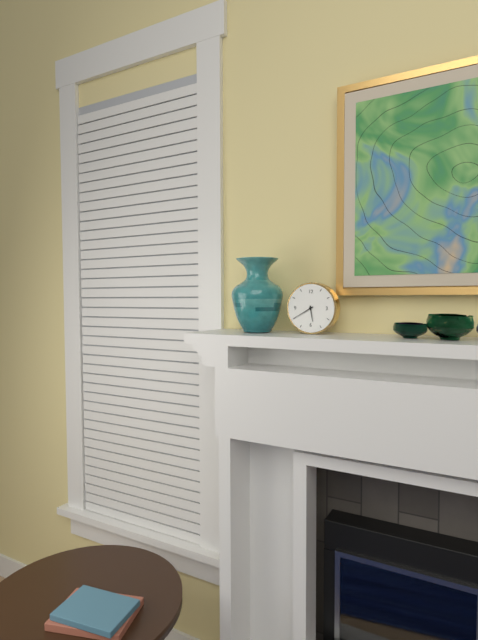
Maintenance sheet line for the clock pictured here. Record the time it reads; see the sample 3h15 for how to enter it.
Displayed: 5h40
